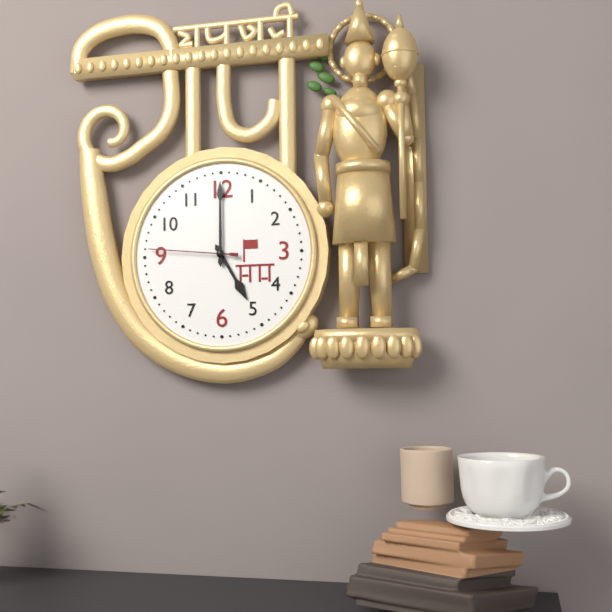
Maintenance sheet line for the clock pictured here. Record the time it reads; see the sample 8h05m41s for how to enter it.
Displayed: 5h00m46s
